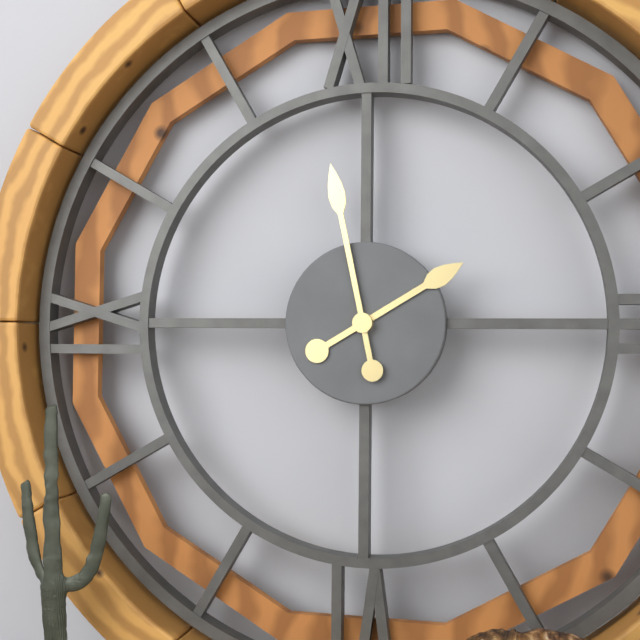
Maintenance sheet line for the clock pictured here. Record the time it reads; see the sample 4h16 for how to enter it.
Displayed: 1h58
